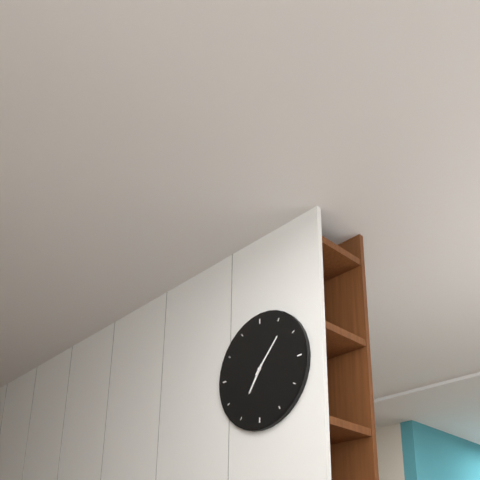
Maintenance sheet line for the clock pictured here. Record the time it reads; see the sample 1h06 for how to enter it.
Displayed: 7h07
